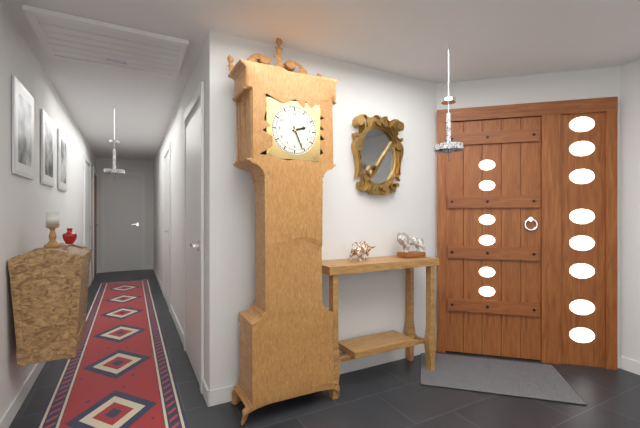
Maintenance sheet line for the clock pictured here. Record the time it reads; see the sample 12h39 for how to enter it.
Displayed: 2h26
